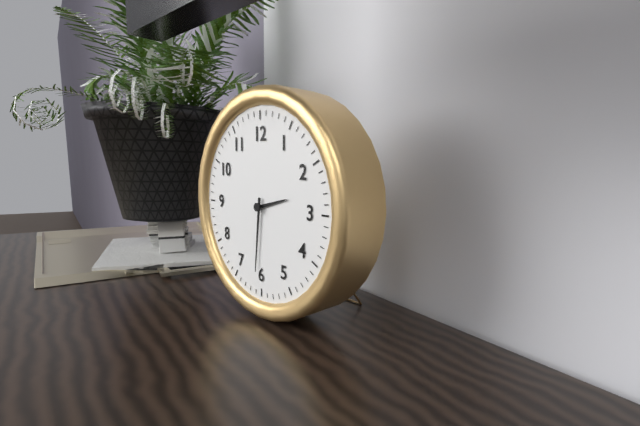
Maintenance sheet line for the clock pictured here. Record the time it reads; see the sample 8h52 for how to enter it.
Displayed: 2h31
